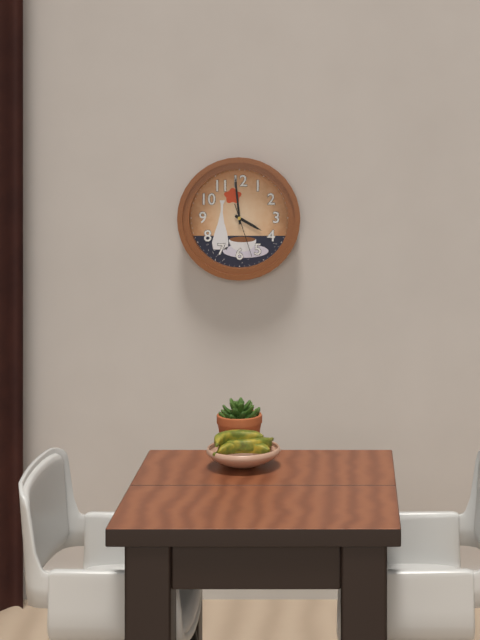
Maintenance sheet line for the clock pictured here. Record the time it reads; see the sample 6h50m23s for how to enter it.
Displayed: 3h59m27s
